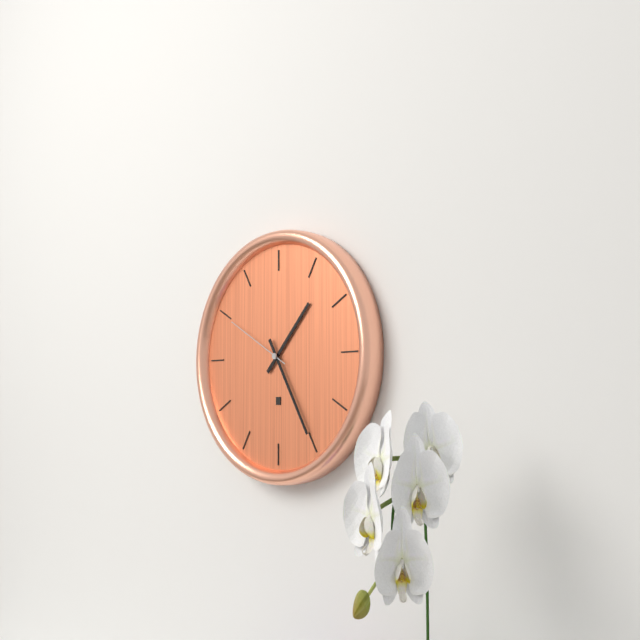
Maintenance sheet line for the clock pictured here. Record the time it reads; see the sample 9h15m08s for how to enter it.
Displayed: 1h25m50s
